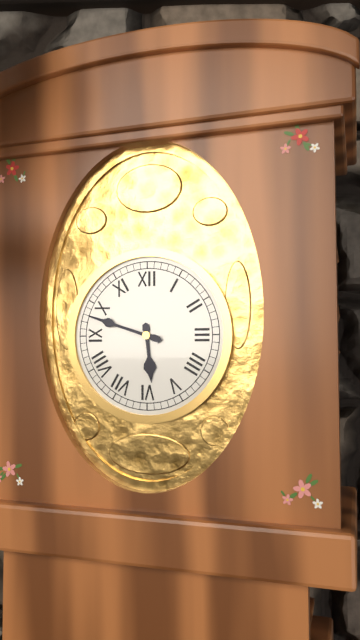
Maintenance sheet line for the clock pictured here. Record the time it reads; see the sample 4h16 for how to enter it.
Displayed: 5h48
